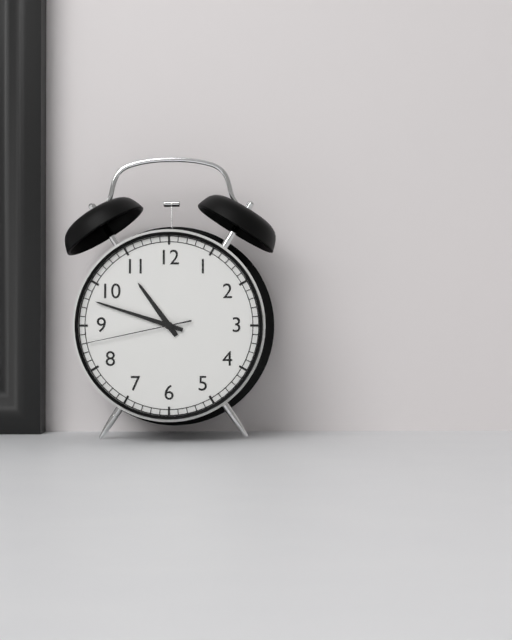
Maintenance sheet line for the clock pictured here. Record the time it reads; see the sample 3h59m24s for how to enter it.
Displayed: 10h48m43s
